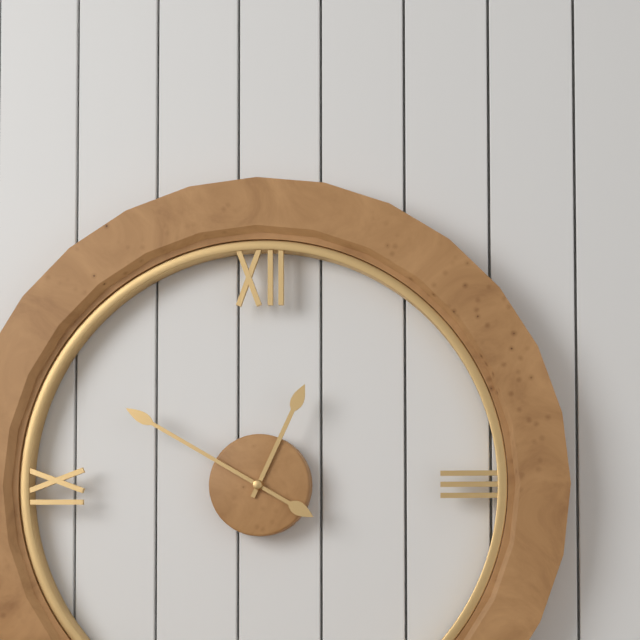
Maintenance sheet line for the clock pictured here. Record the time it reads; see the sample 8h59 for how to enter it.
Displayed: 12h50
